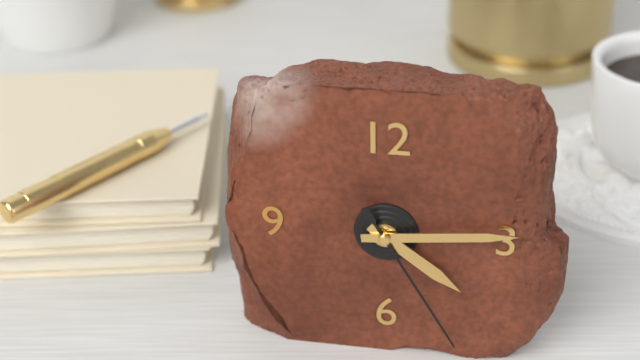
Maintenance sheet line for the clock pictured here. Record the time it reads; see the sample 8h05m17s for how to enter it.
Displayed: 4h14m25s
